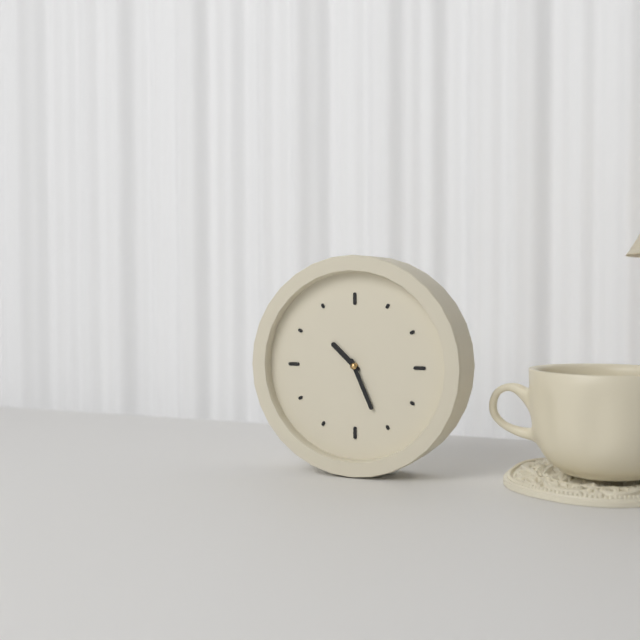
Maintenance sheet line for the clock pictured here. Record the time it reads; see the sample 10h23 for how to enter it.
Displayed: 10h26
